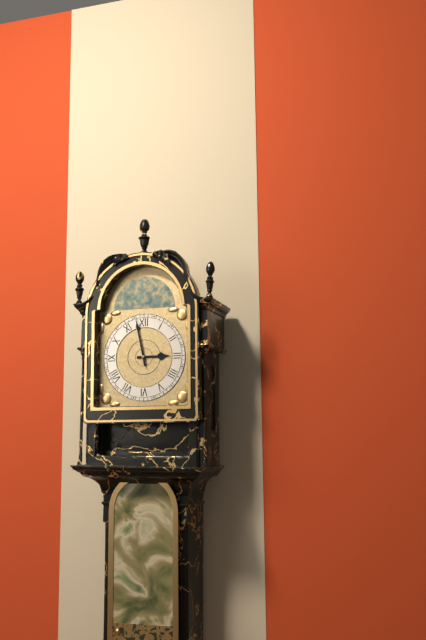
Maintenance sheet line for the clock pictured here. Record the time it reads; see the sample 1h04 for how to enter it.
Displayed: 2h58
